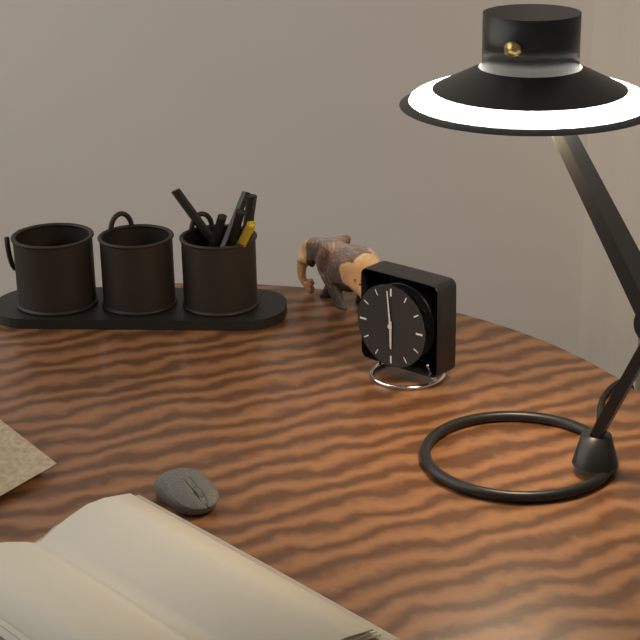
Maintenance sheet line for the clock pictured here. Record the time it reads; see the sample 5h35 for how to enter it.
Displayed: 5h59
